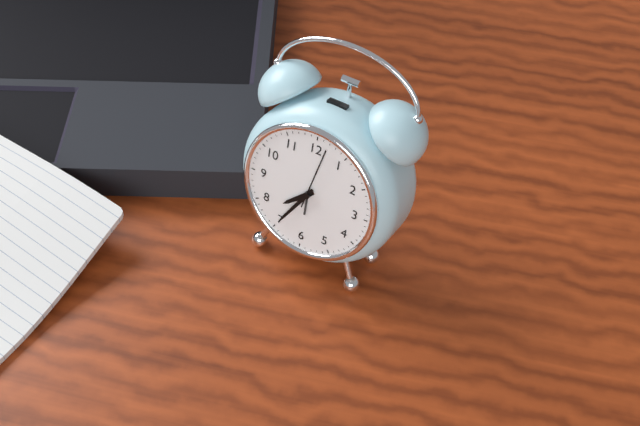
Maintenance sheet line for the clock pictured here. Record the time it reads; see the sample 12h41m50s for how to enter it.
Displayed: 7h35m02s
